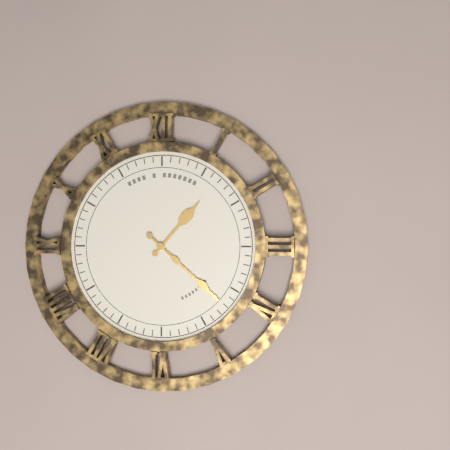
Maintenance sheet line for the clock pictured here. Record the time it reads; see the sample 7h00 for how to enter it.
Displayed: 1h22
